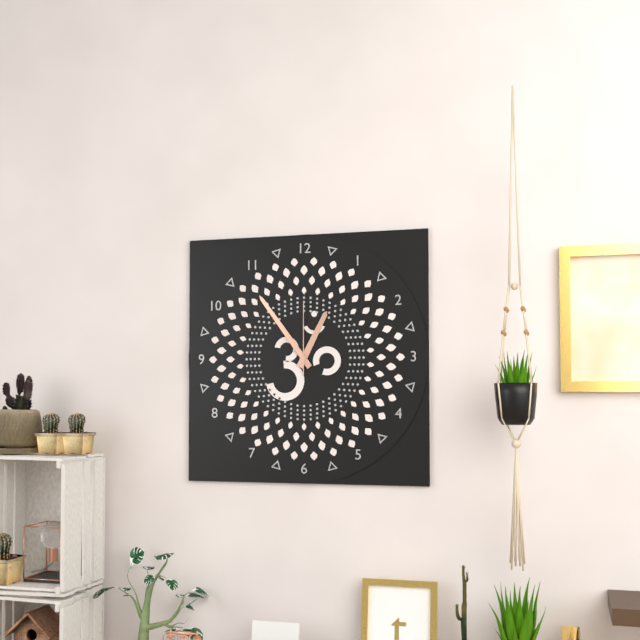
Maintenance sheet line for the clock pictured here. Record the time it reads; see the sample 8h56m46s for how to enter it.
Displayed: 12h54m00s
